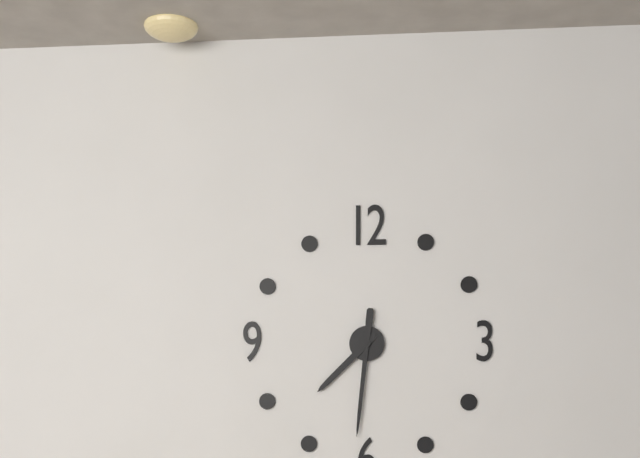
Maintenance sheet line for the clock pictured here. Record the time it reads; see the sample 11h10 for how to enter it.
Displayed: 7h31
